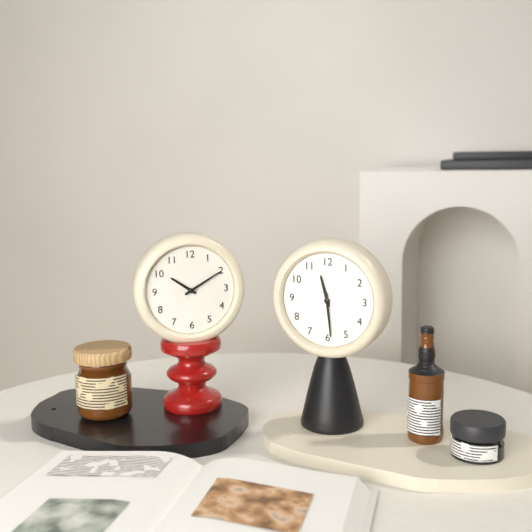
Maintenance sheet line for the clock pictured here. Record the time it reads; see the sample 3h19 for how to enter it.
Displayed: 11h29
